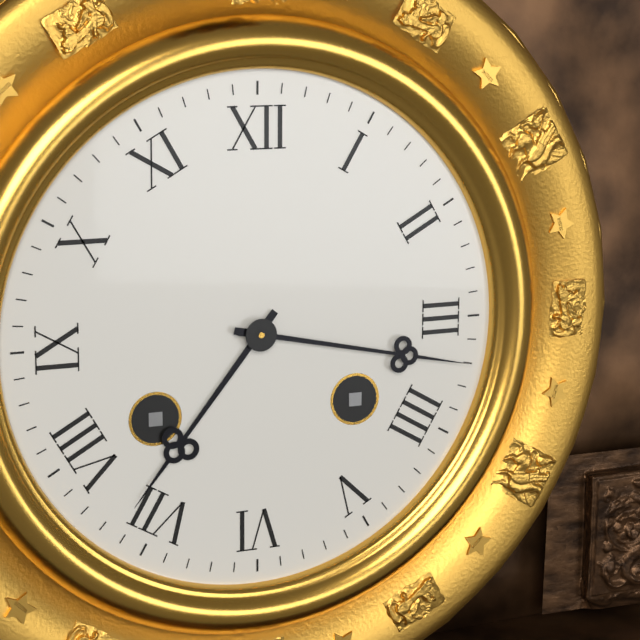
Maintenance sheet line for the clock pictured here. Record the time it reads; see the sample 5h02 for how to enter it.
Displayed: 7h17
